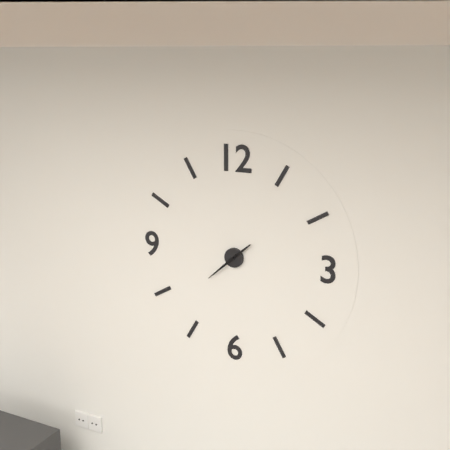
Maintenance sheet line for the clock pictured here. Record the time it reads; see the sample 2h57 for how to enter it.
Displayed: 1h38
